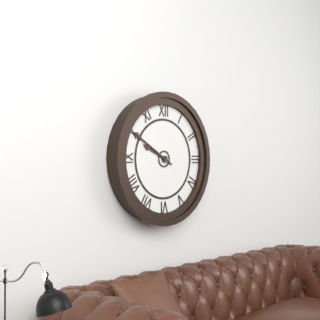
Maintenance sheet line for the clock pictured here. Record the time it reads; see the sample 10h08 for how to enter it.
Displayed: 9h50
